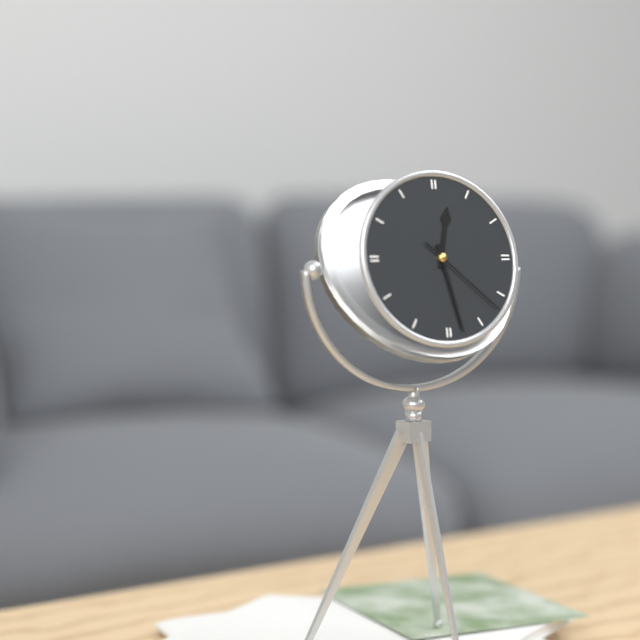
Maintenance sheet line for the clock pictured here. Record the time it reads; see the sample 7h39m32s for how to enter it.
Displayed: 12h28m22s
